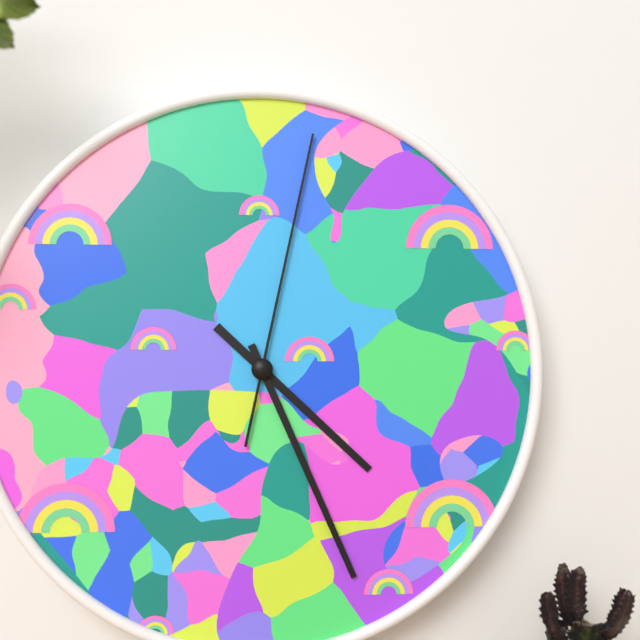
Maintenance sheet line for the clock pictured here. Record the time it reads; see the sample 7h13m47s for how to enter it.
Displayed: 4h26m02s
